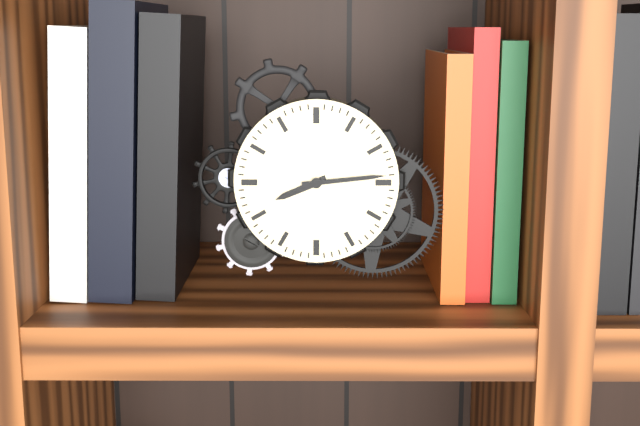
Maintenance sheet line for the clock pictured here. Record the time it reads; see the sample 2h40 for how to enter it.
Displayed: 8h14
